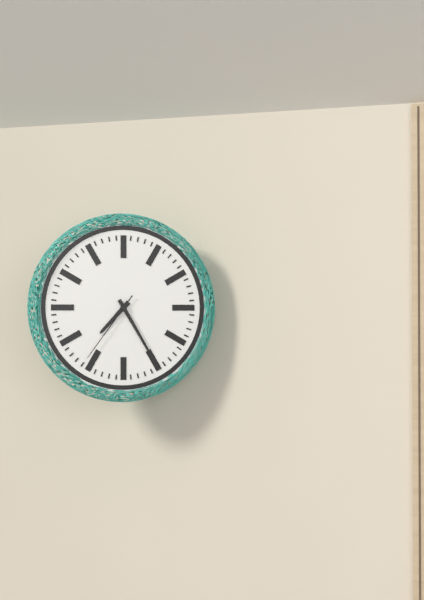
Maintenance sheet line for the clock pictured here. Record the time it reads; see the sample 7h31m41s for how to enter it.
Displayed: 7h25m36s
